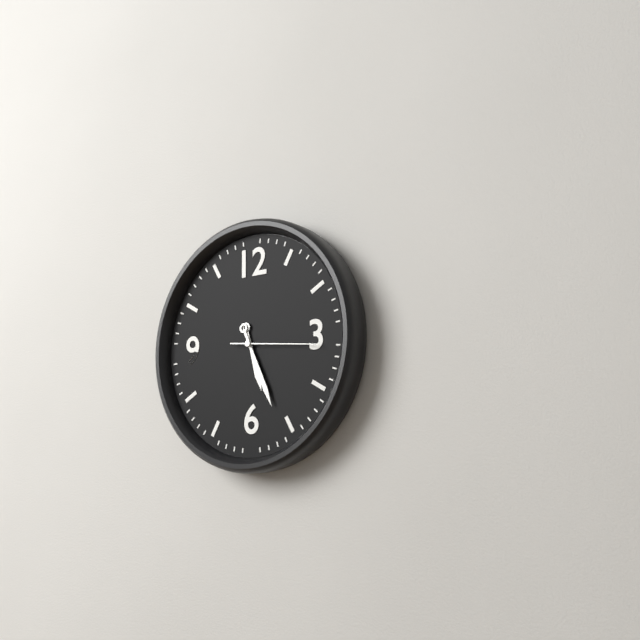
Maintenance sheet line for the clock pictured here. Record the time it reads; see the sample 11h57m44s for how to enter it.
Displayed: 5h26m16s
